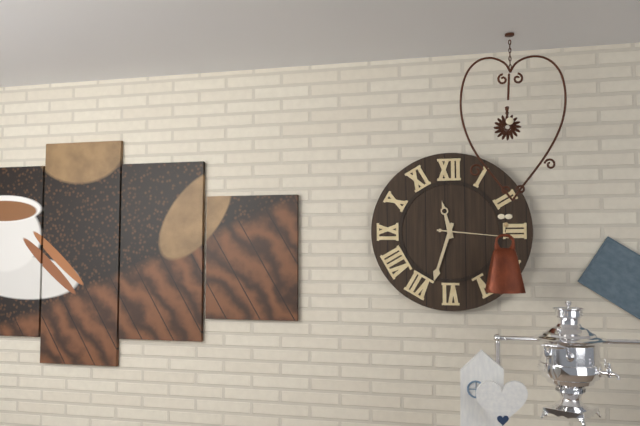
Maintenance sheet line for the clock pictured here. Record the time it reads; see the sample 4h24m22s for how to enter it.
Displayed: 11h33m16s
